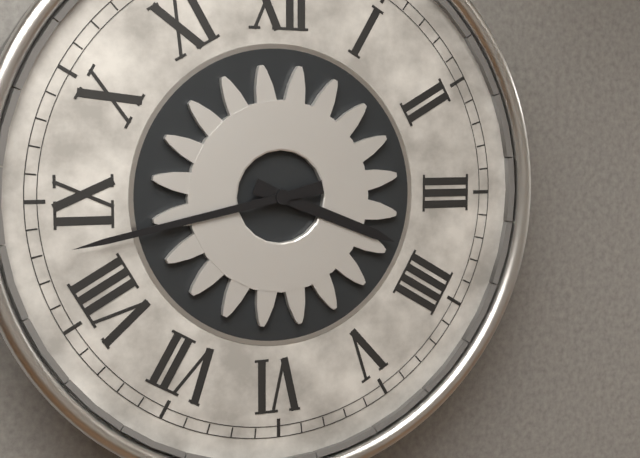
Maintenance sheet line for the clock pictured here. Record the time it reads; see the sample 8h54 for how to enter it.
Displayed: 3h43
